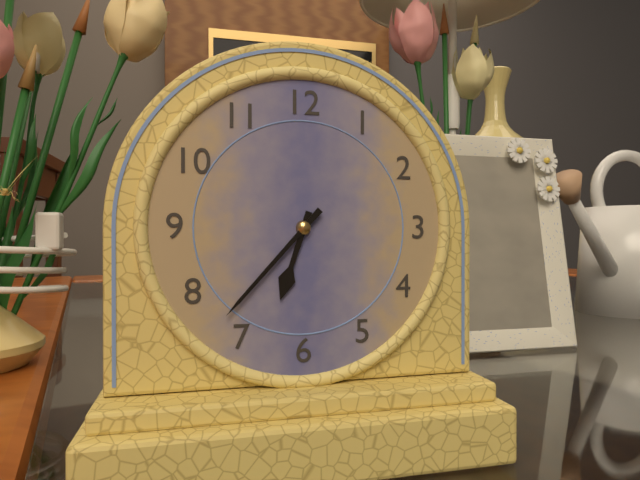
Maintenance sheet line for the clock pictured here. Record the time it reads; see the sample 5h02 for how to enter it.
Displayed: 6h37
